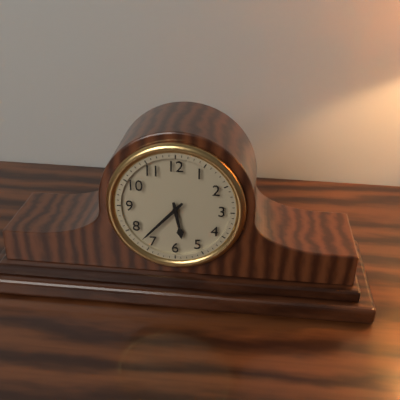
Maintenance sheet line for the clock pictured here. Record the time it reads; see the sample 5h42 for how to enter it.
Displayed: 5h37
